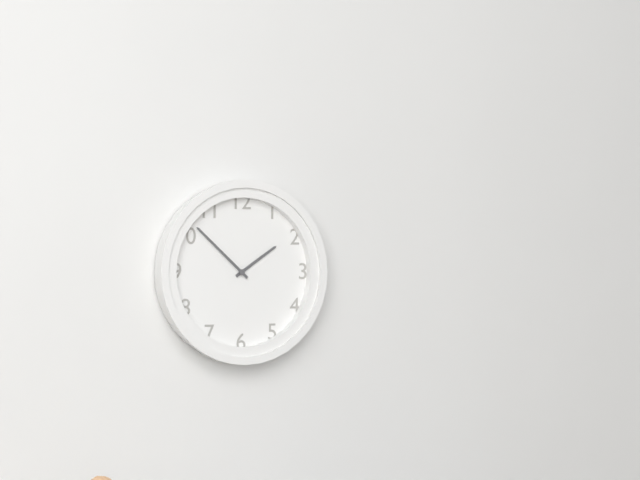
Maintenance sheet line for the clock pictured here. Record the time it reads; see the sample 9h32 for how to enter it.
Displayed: 1h52
